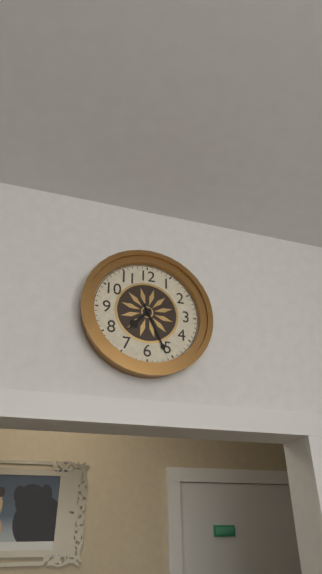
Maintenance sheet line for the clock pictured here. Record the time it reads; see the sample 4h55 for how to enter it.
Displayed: 7h26
